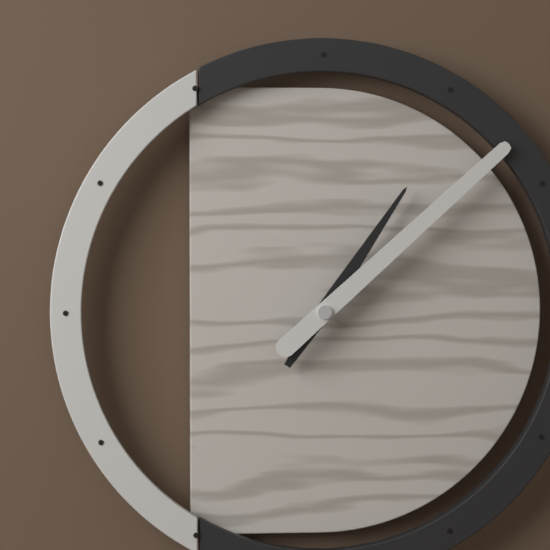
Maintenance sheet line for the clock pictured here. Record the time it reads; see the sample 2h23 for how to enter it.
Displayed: 1h08
